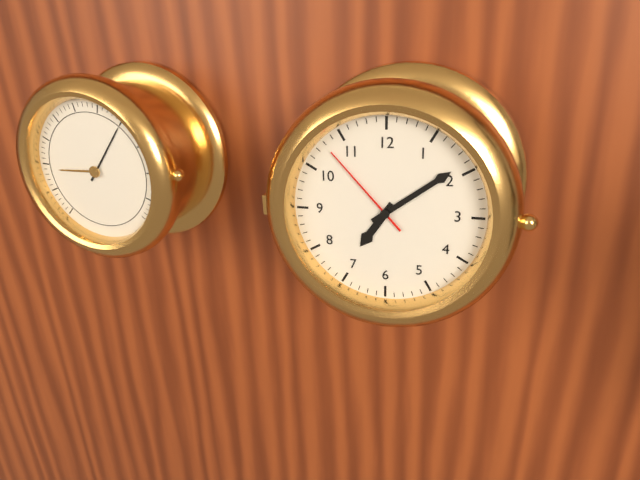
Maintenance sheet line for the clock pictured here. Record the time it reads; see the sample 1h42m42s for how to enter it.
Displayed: 7h09m53s
